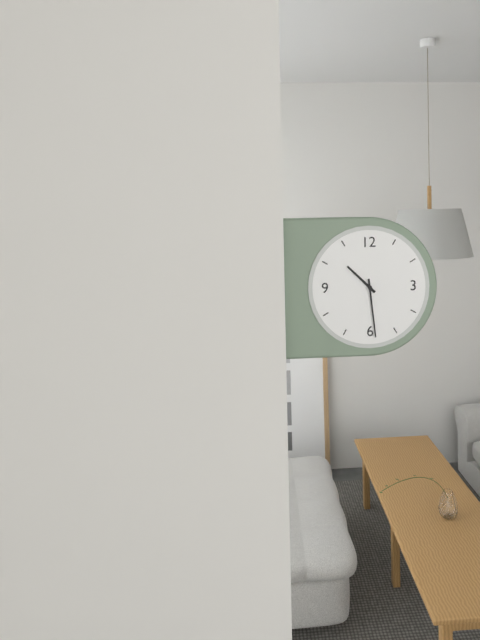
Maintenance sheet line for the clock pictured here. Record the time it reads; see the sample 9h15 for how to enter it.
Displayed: 10h29
